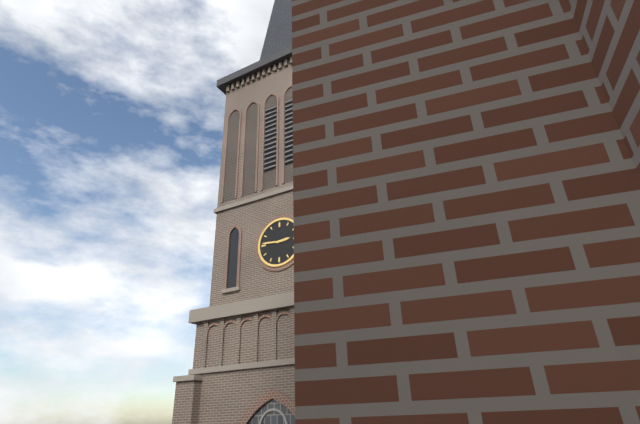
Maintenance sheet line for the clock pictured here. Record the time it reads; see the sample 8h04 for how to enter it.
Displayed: 2h46
